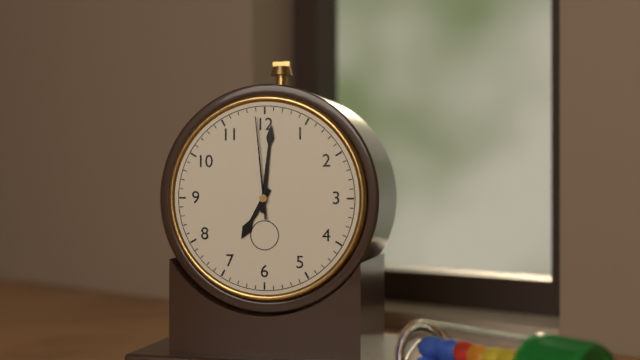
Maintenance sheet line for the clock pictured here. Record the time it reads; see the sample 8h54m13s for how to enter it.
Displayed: 7h01m59s
